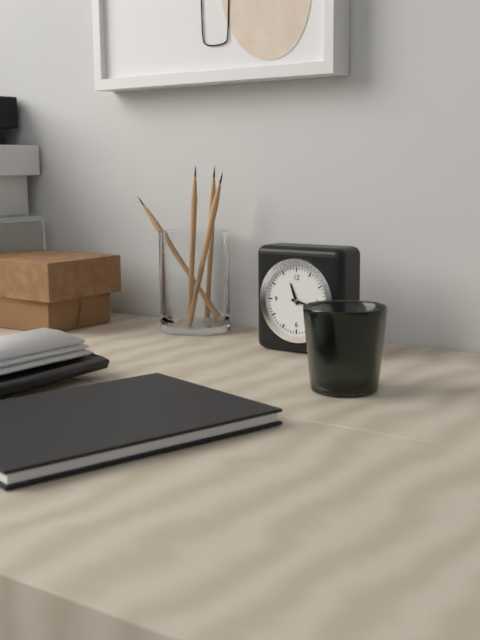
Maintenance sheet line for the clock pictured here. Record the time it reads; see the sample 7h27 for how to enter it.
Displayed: 11h17
